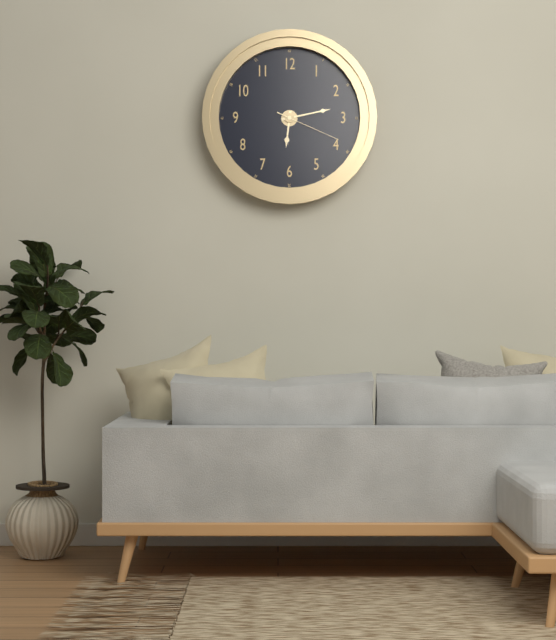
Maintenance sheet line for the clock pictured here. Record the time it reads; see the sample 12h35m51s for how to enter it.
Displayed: 6h13m19s
